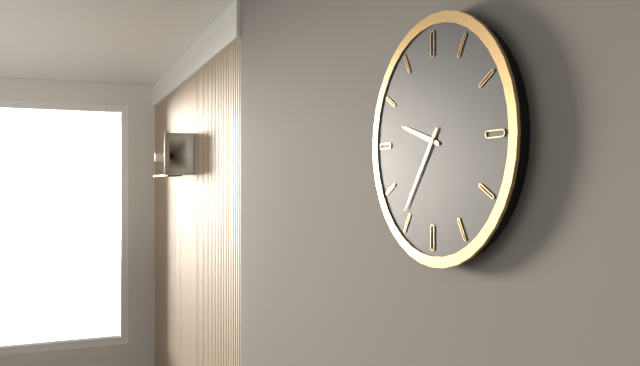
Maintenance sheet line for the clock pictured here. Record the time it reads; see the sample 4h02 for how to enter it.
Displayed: 9h36
